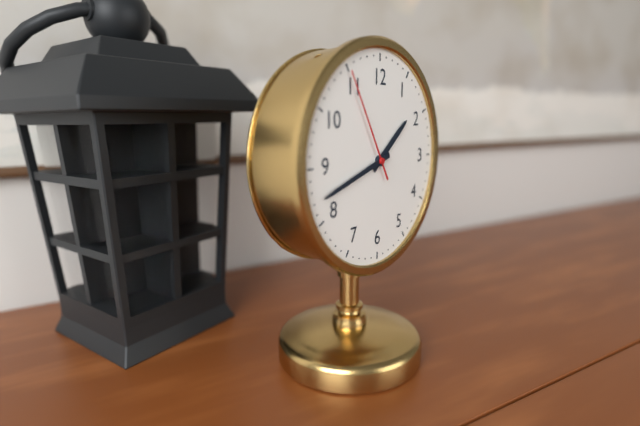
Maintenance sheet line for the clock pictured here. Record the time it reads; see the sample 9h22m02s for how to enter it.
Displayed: 1h42m55s
